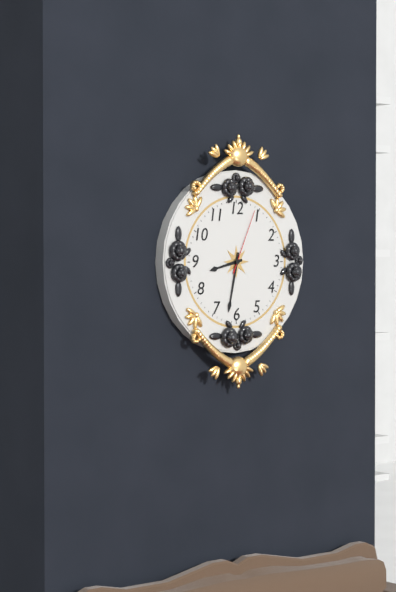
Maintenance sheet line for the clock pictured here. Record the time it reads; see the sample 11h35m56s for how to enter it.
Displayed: 8h32m04s
